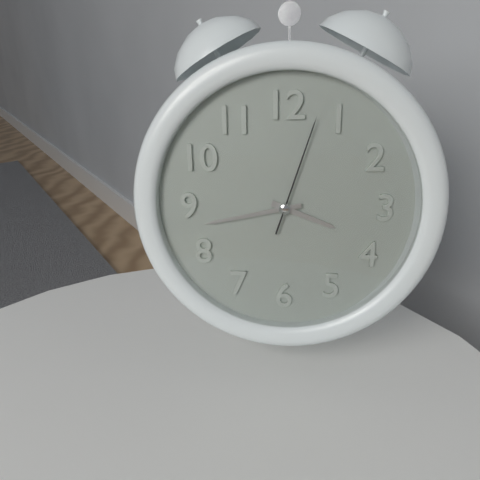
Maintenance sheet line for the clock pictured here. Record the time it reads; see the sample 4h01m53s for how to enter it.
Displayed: 3h43m03s
